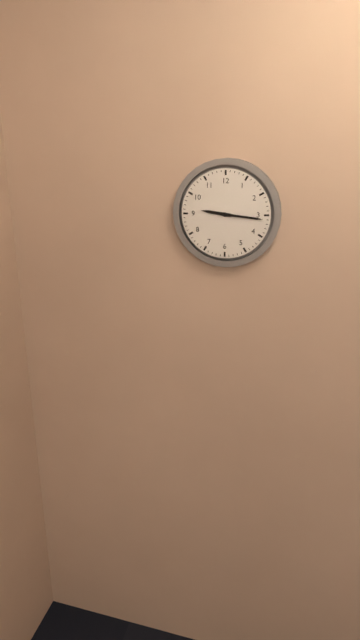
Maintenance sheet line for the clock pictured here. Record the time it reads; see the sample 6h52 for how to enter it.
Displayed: 9h16
